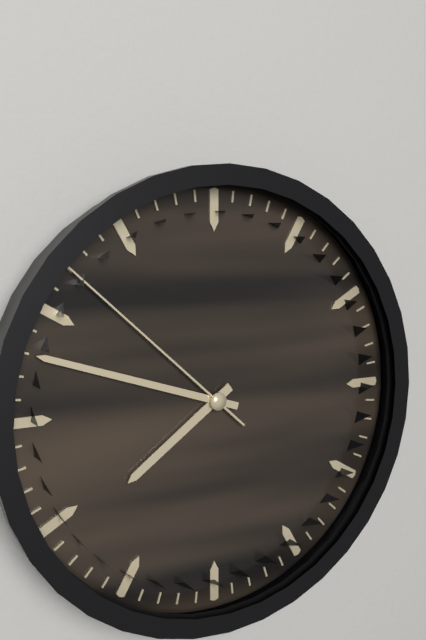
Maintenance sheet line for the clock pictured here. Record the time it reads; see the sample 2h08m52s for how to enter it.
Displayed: 7h48m52s
